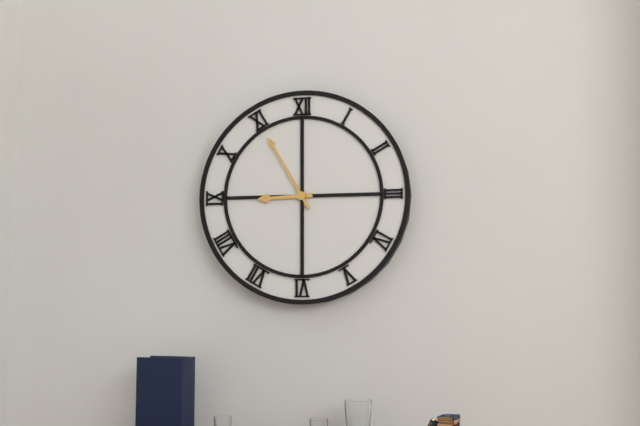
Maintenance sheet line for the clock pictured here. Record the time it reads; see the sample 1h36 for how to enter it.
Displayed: 8h55
